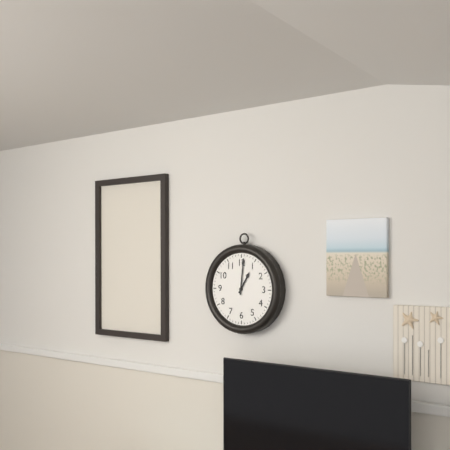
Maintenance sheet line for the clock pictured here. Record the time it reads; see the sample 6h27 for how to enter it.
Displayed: 1h01
